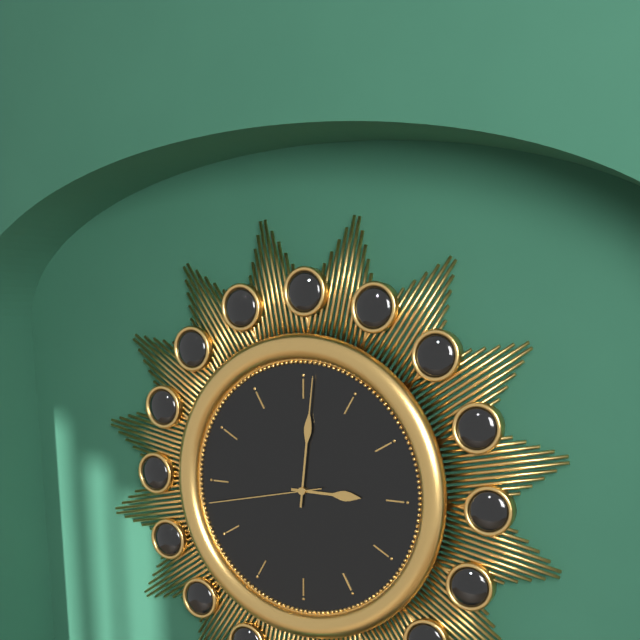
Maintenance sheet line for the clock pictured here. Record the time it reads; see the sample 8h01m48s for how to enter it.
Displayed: 3h01m43s
